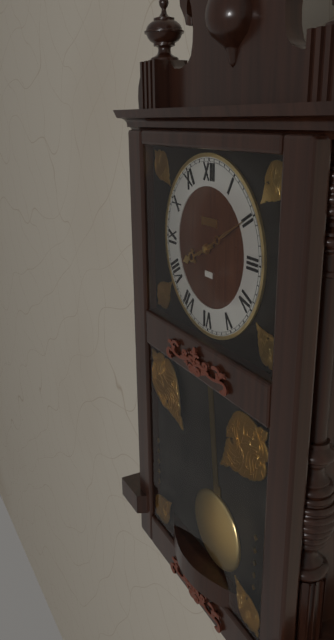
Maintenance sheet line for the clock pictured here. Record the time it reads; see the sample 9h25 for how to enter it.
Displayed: 8h10
